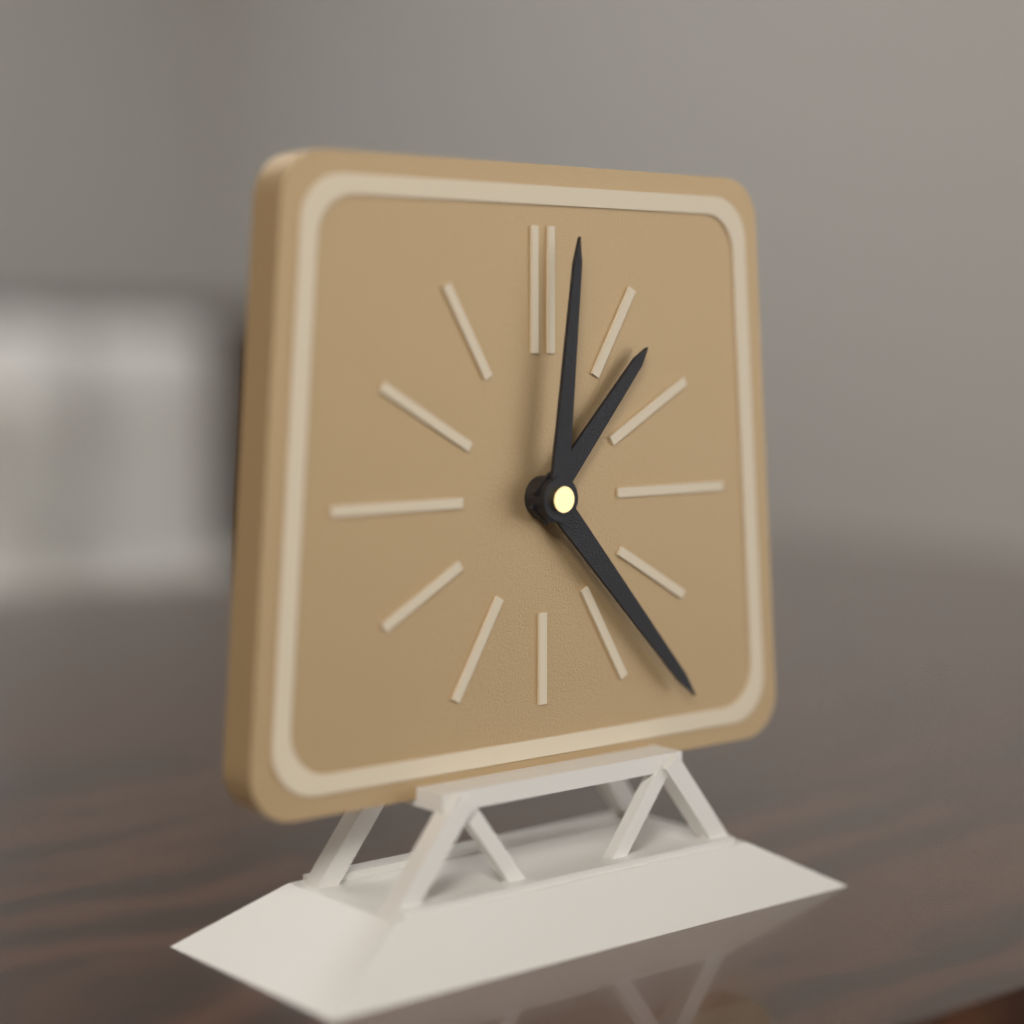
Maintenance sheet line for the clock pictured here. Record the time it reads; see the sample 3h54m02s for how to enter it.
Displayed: 1h23m01s
